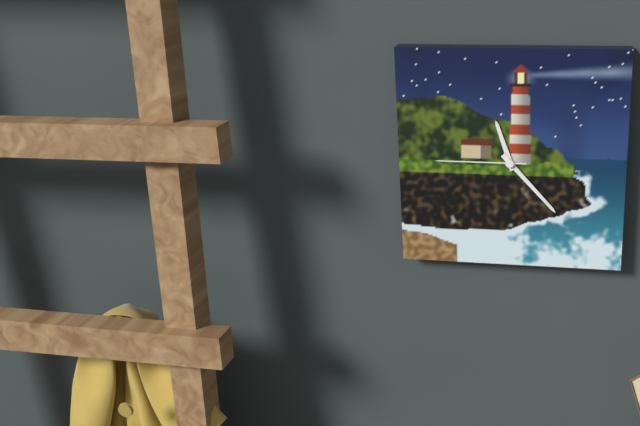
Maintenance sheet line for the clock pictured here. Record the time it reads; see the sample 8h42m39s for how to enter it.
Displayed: 11h23m45s
